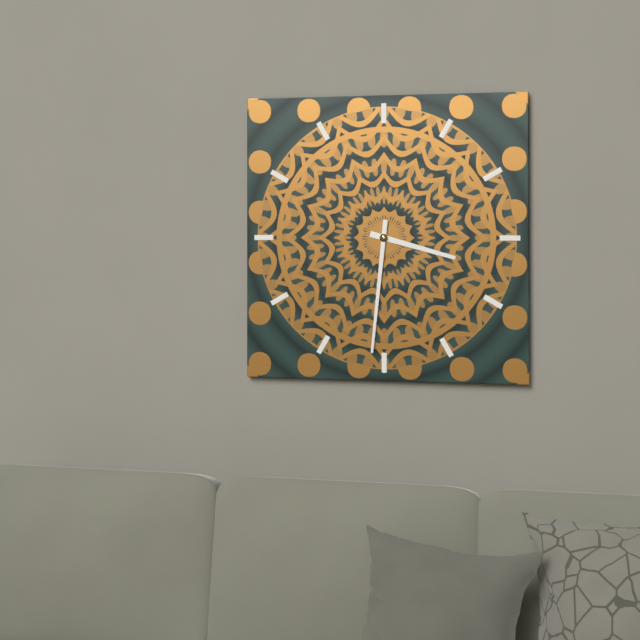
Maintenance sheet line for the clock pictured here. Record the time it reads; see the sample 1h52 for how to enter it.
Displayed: 3h31
